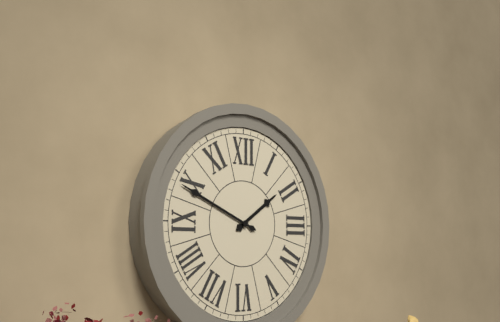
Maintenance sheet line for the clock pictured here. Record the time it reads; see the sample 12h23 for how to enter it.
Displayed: 1h49
